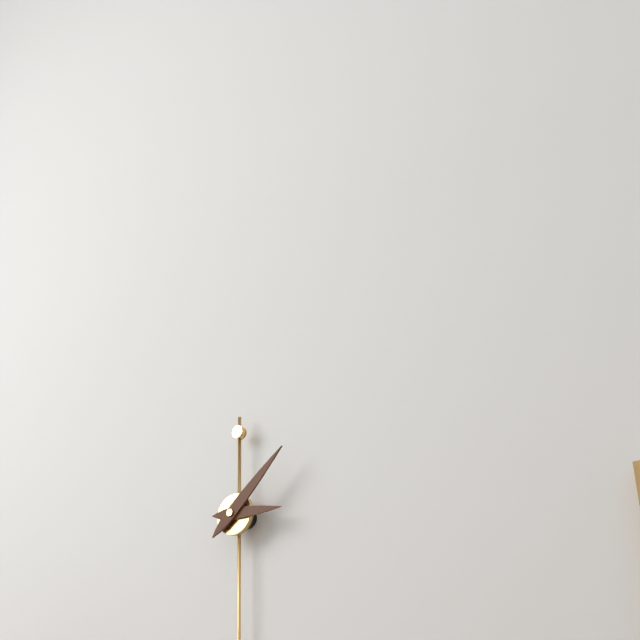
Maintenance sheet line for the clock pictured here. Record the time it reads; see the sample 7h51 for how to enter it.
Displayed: 3h08
